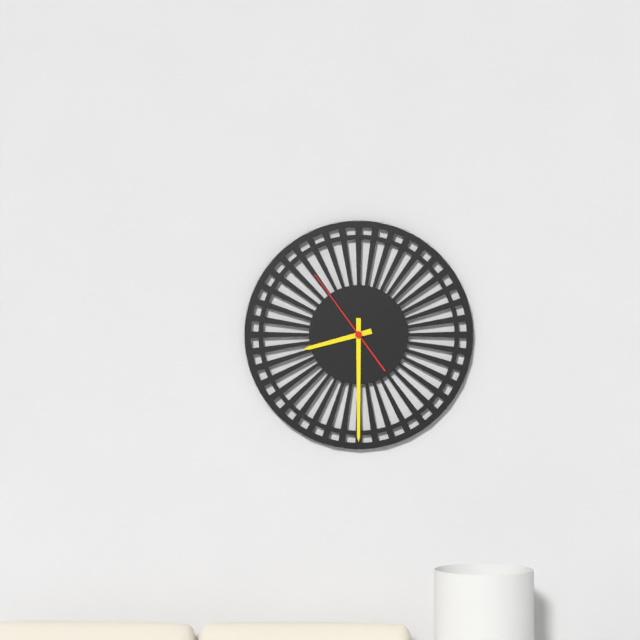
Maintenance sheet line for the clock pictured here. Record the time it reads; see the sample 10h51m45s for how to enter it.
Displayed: 8h30m54s
